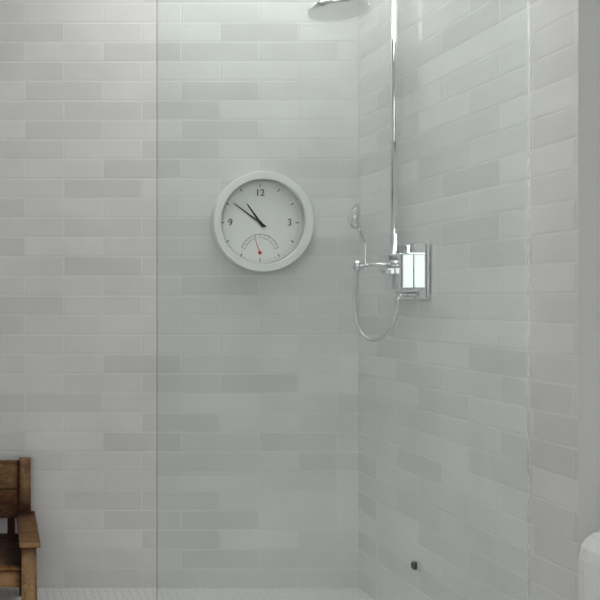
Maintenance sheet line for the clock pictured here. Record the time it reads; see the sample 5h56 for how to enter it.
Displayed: 10h51
